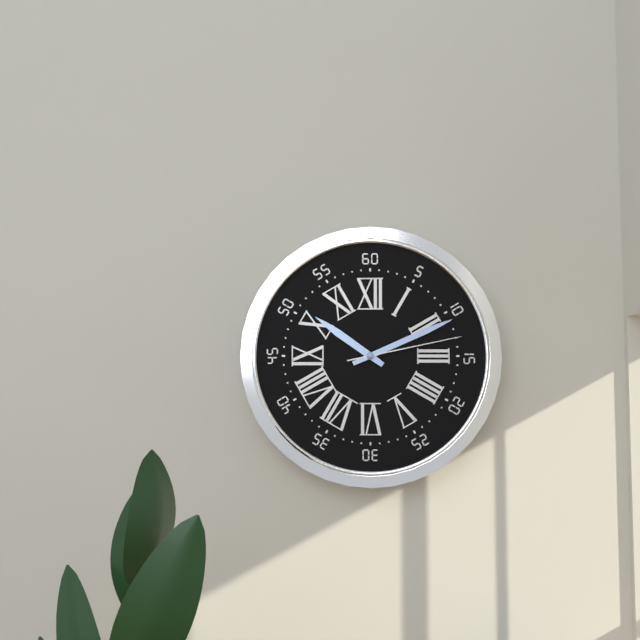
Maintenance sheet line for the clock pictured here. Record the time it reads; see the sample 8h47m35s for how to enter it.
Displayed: 10h11m13s
